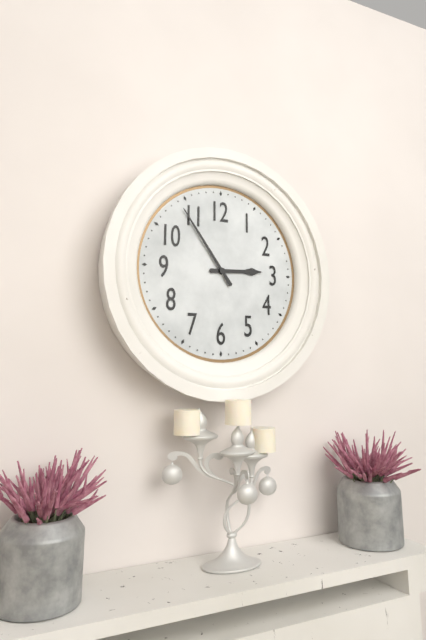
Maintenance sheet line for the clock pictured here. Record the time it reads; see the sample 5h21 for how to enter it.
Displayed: 2h54
